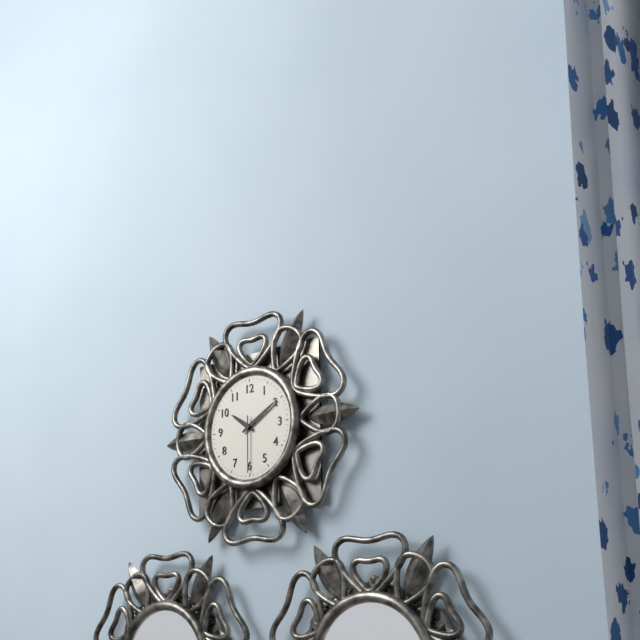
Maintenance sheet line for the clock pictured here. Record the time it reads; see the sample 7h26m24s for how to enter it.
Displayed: 10h10m30s
